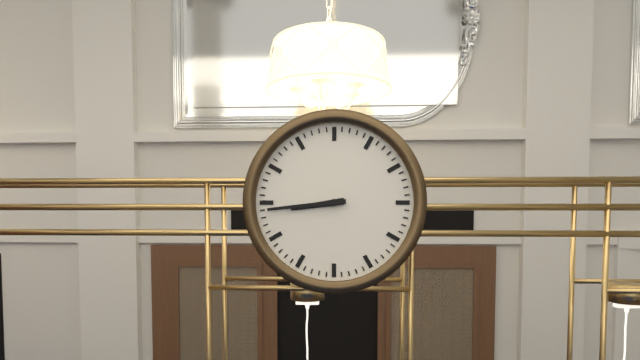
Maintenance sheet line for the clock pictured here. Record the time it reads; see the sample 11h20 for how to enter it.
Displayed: 8h44
